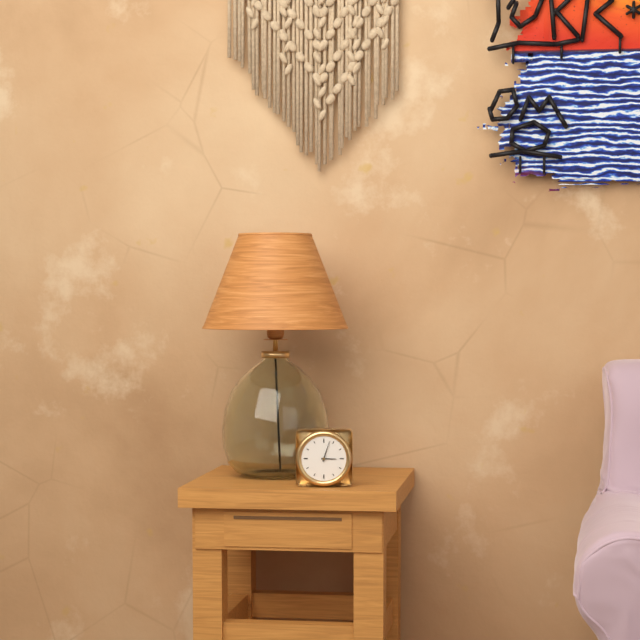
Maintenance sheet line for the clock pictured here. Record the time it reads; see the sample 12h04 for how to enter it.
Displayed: 3h03
